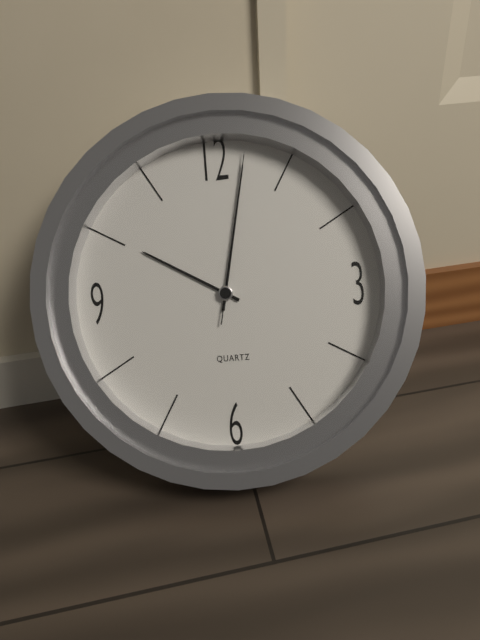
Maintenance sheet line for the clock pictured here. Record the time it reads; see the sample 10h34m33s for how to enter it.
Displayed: 10h02m02s
